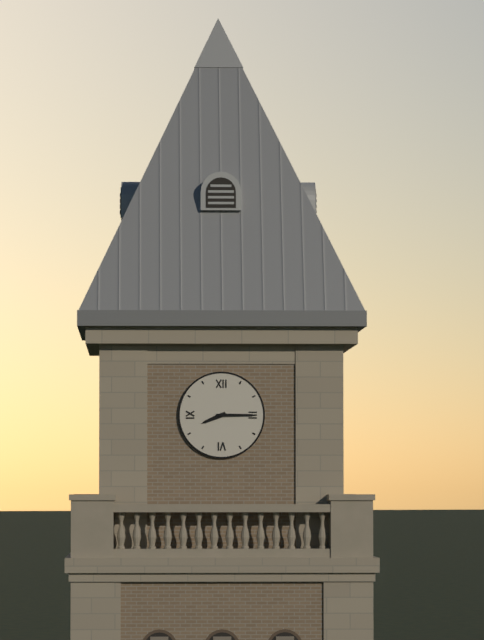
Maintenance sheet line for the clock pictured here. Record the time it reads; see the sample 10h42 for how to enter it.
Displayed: 8h15
